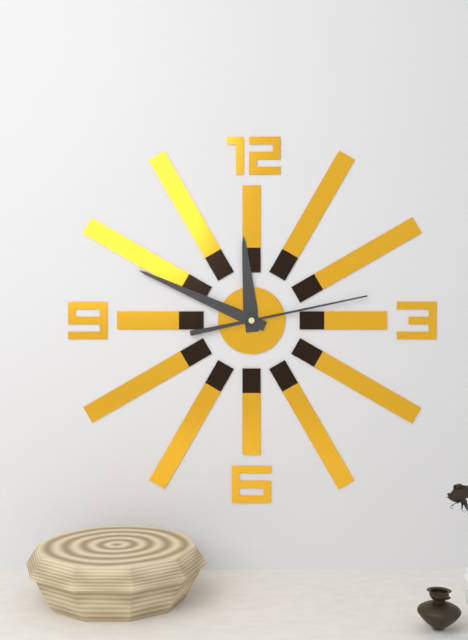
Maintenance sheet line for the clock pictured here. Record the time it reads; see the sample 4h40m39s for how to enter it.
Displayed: 11h49m13s
